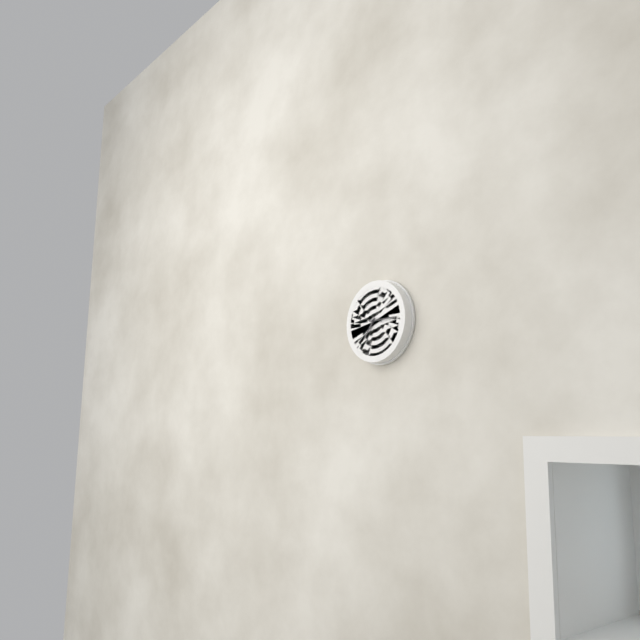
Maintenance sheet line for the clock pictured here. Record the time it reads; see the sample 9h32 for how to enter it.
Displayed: 7h15
